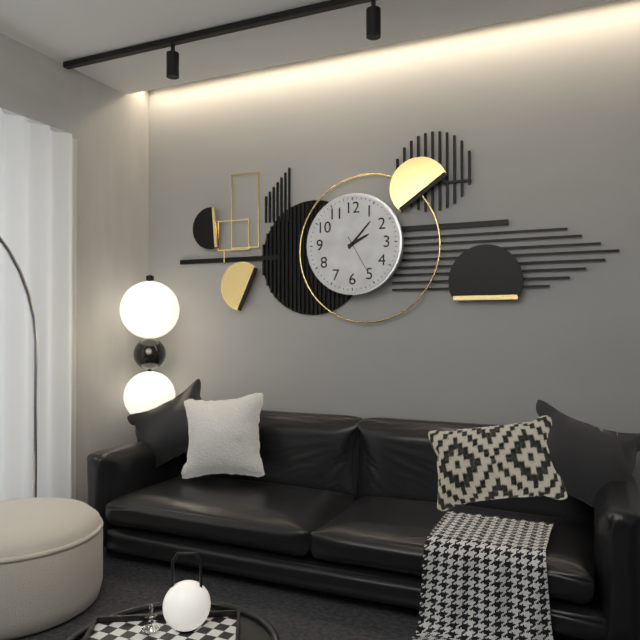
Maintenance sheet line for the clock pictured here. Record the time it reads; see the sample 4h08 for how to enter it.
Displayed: 2h07
